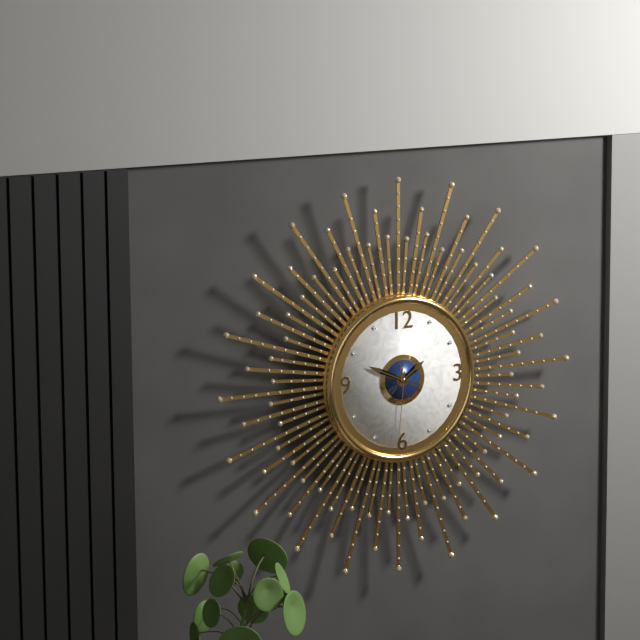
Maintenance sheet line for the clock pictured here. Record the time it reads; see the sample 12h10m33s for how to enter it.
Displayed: 1h49m31s
